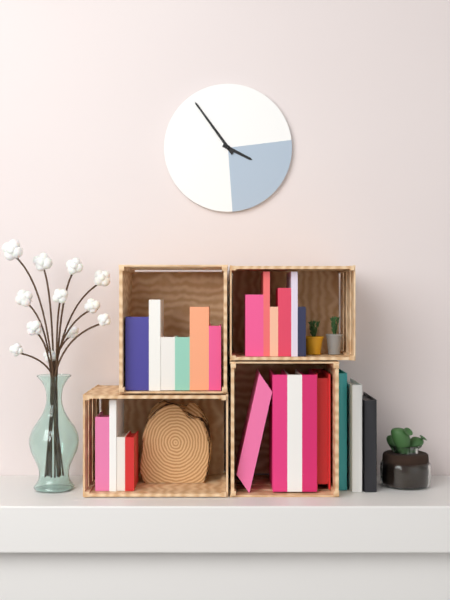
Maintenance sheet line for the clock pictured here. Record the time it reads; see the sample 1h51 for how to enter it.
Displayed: 3h54
